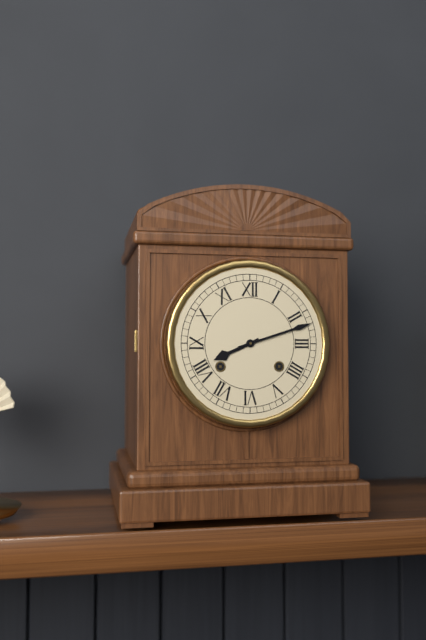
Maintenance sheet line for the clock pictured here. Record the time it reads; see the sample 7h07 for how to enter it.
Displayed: 8h12
